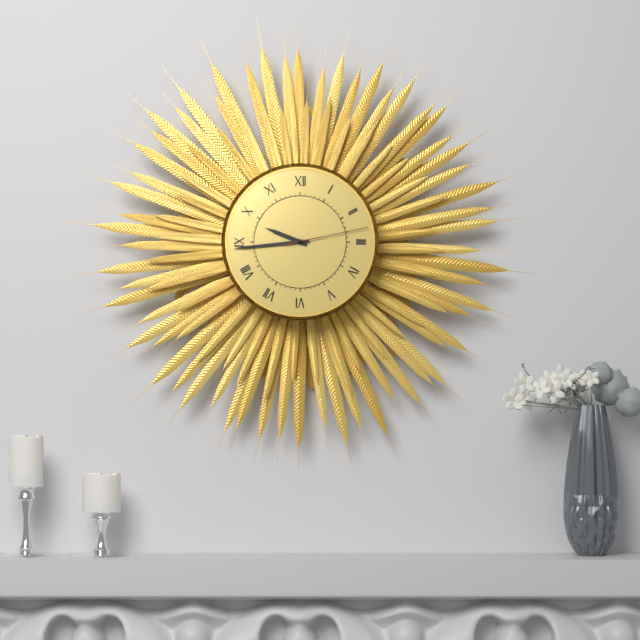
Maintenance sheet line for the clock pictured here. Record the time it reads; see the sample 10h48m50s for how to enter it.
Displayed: 9h44m13s
